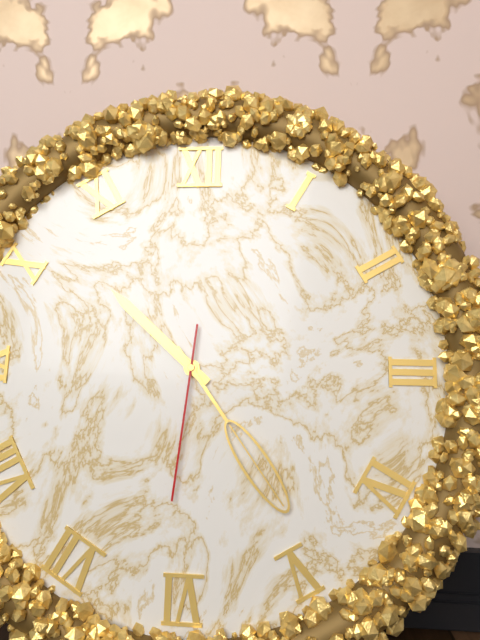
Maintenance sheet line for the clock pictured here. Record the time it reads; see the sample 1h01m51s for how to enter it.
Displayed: 10h24m31s
